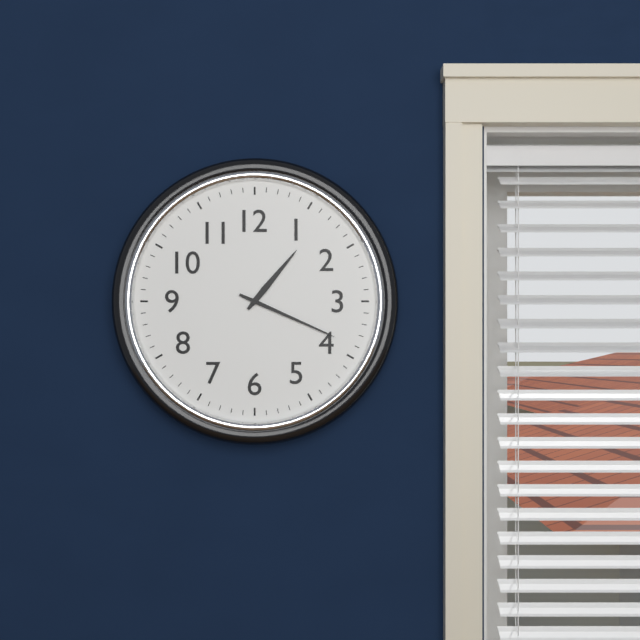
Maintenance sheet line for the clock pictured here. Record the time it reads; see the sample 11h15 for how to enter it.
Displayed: 1h19
